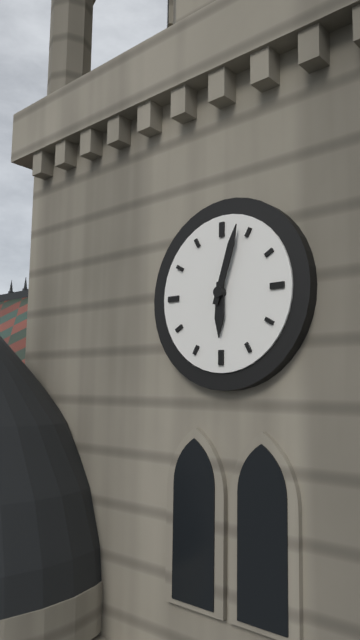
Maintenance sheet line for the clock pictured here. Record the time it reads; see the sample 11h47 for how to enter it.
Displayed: 6h03
